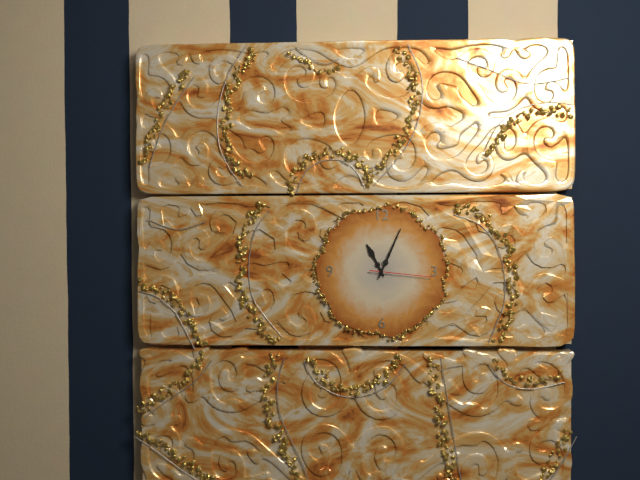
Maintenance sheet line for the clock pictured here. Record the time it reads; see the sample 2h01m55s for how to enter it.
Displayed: 11h04m16s
